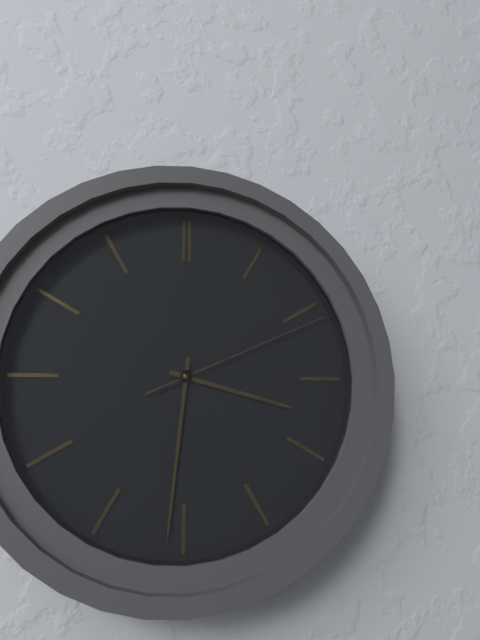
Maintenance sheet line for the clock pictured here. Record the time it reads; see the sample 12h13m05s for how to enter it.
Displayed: 3h31m11s
